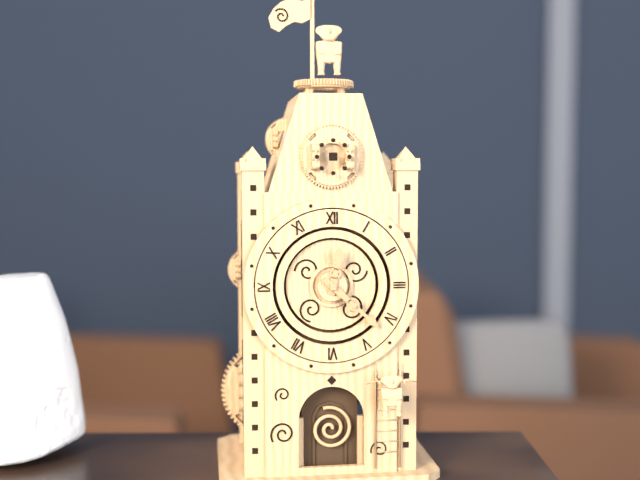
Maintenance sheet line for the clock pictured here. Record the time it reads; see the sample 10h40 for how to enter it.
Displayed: 12h22
